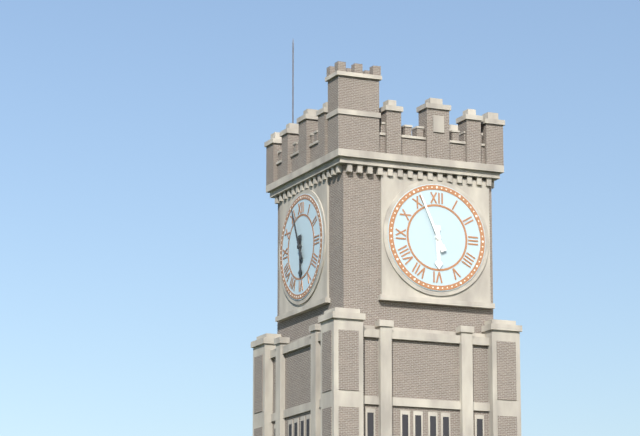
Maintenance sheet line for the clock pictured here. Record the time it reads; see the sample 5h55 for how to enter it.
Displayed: 5h56
